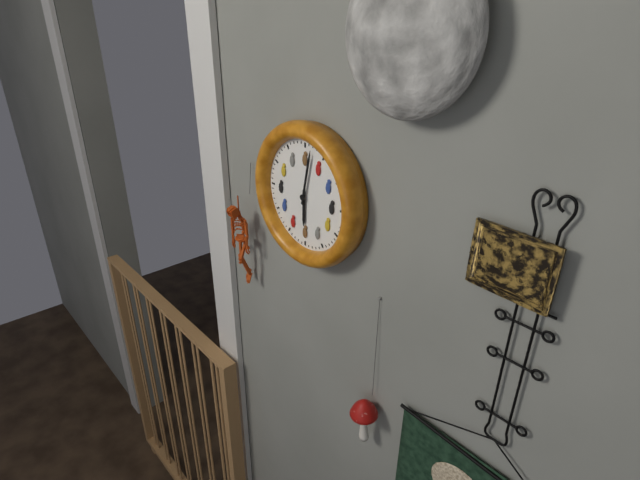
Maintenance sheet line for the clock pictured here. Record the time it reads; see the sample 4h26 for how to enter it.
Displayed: 6h02
